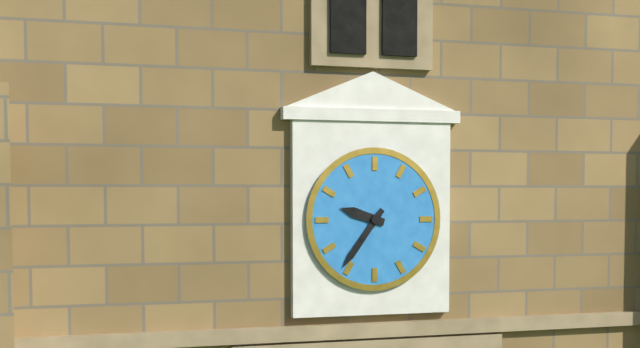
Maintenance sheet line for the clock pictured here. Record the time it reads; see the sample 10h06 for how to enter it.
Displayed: 9h36
